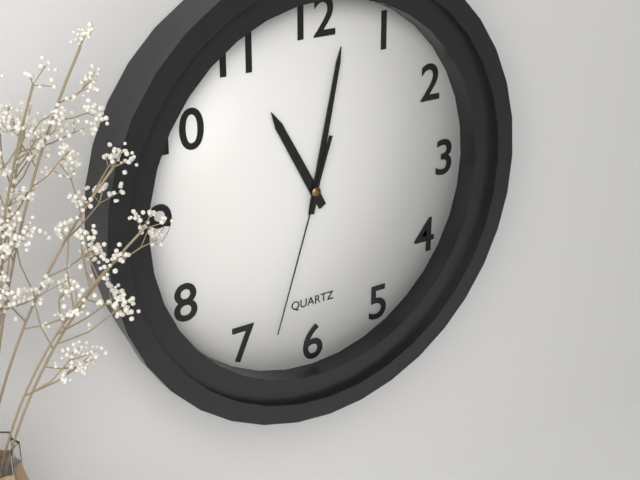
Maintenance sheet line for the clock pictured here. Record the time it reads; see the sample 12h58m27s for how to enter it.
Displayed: 11h02m33s
